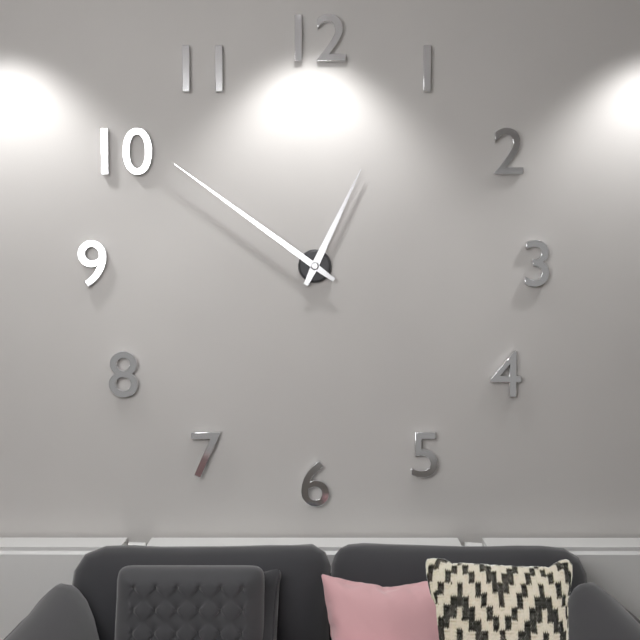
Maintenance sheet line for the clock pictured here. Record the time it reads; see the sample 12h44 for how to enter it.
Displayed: 12h51
